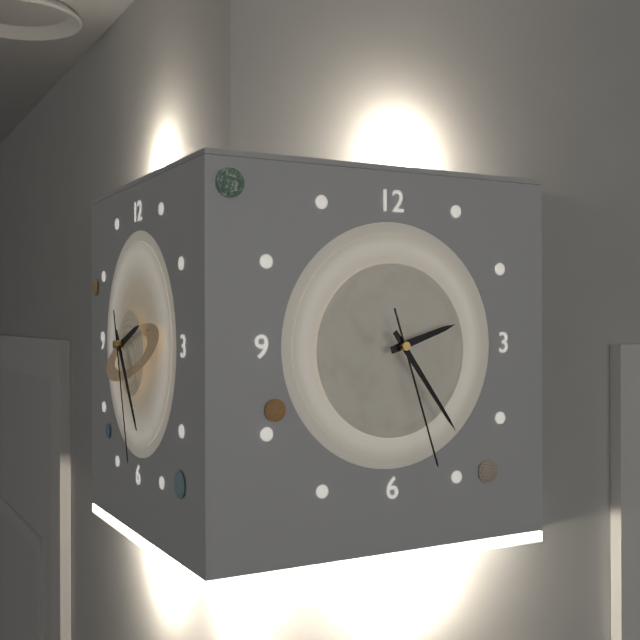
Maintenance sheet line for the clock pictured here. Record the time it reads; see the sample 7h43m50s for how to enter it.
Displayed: 2h24m27s
